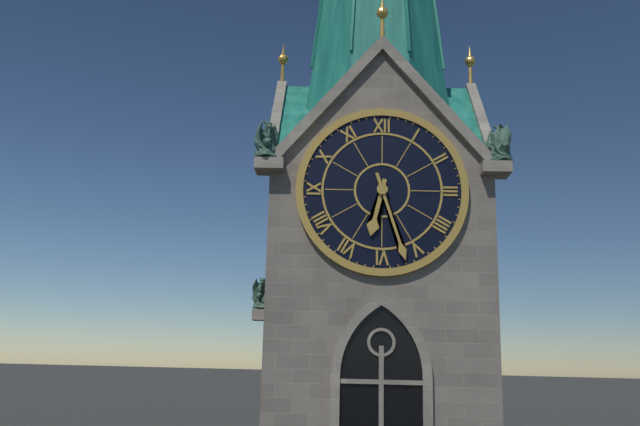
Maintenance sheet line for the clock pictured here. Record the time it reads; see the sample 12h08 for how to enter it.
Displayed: 6h27
